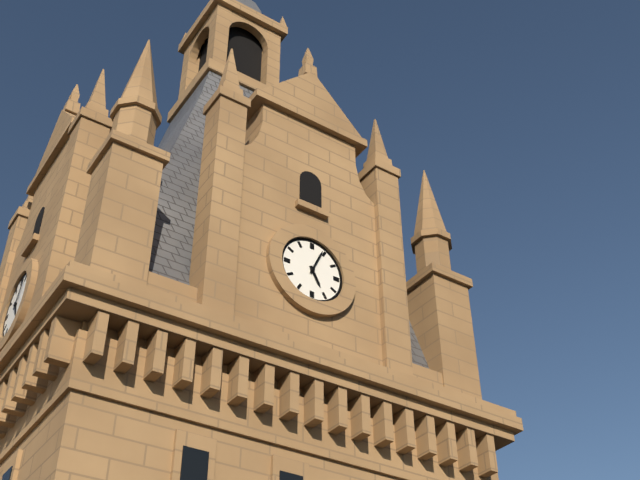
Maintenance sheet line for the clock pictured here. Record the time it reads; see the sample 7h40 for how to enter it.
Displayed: 5h04
